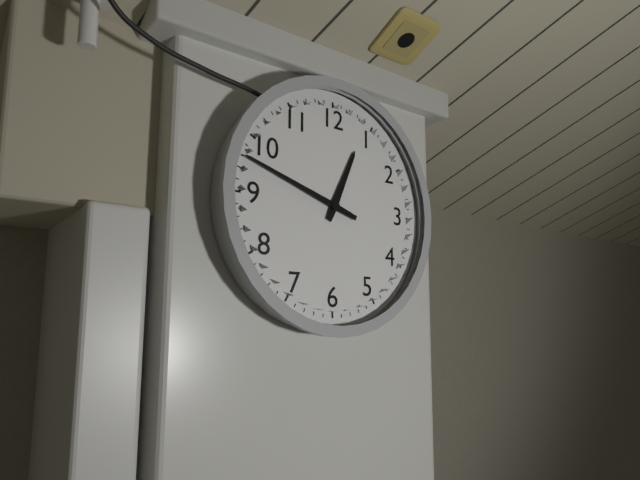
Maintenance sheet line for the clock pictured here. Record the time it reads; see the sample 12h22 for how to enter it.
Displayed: 12h48
